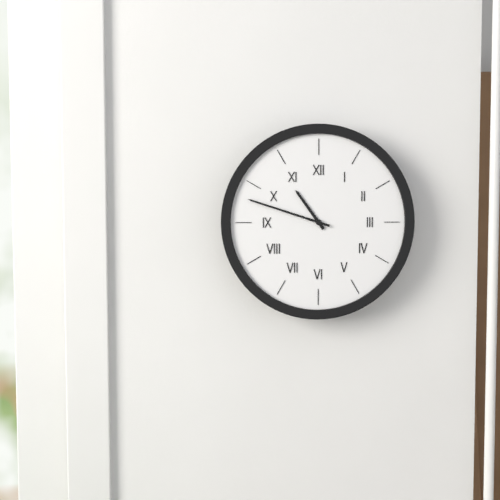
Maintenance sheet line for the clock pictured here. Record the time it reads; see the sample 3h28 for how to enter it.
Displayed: 10h48
